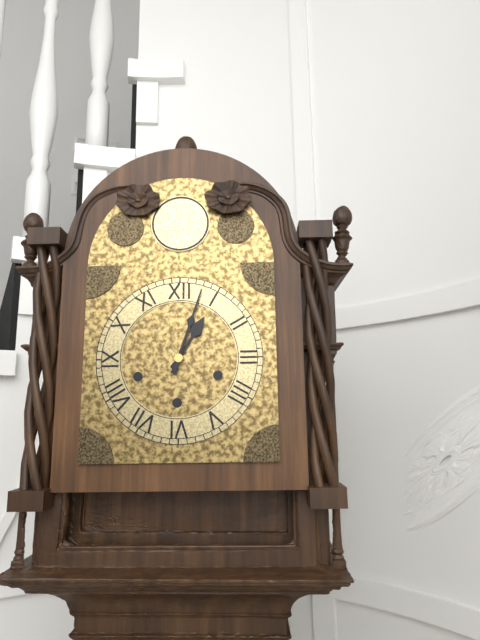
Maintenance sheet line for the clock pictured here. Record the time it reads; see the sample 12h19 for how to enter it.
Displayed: 1h03
